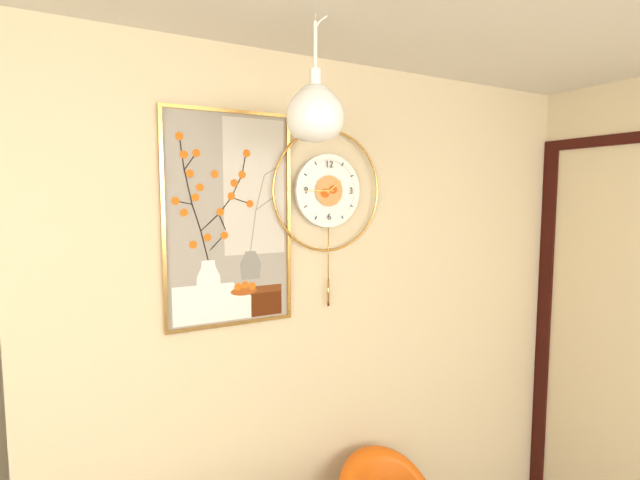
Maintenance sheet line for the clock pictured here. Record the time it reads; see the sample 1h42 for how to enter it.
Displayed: 1h45
